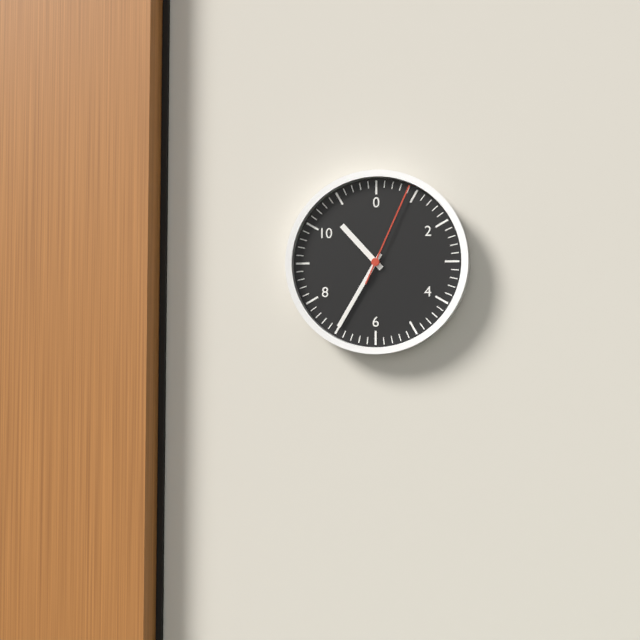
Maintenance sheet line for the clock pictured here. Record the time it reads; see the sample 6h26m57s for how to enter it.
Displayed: 10h35m04s
